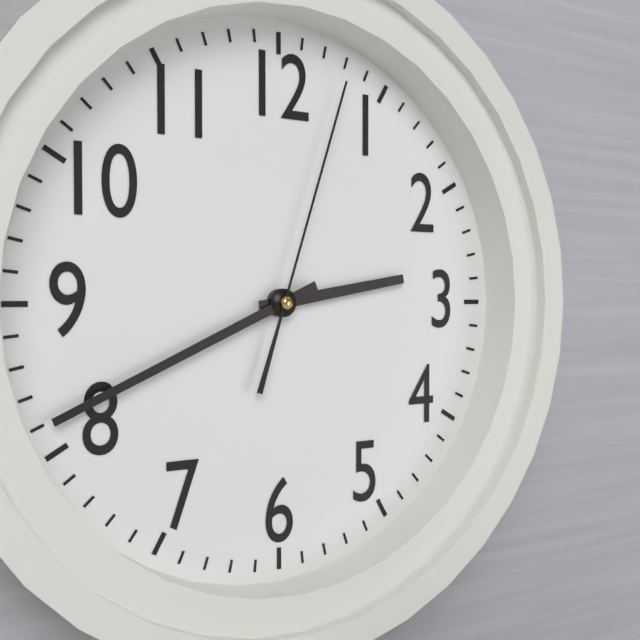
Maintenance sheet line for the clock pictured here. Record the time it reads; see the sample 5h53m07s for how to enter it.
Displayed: 2h41m03s
